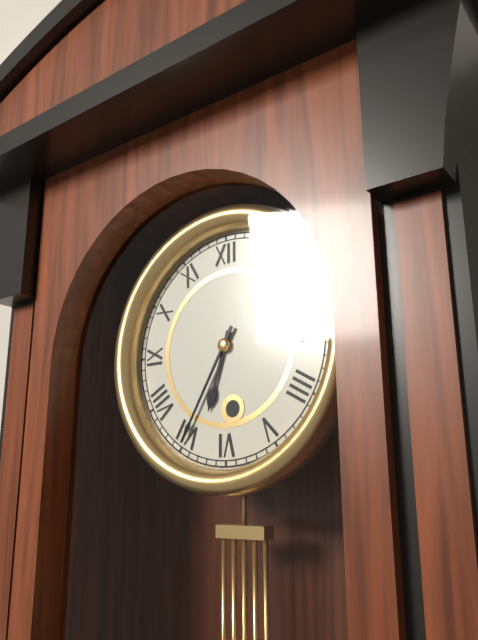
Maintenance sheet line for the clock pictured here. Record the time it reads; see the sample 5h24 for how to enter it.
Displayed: 6h35
